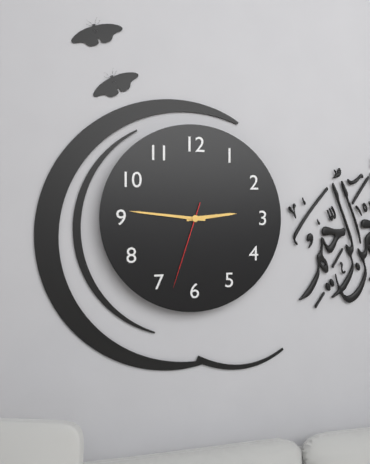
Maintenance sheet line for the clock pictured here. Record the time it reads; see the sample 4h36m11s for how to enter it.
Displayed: 2h46m33s
